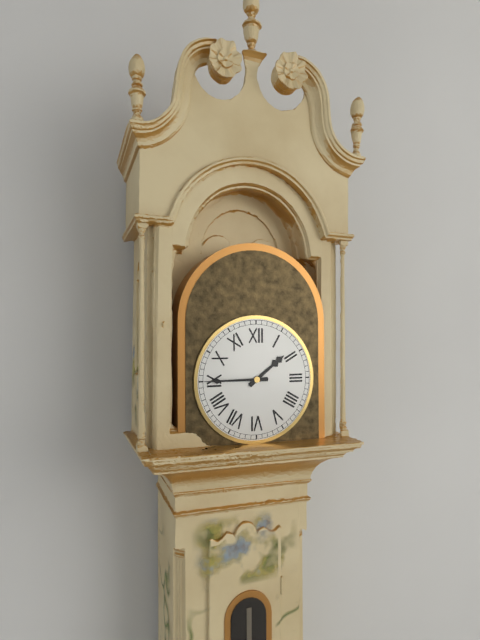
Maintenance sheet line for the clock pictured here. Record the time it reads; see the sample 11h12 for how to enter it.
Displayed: 1h45
